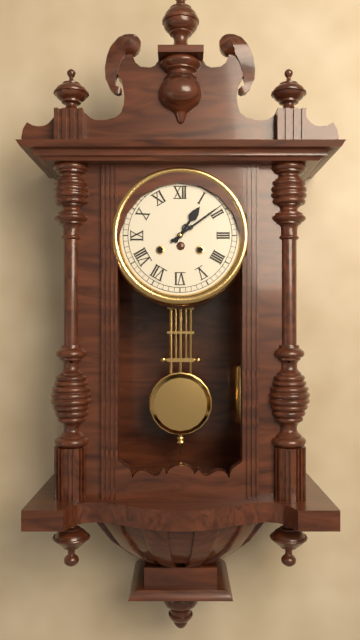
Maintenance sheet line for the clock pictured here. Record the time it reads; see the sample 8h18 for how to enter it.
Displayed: 1h09
